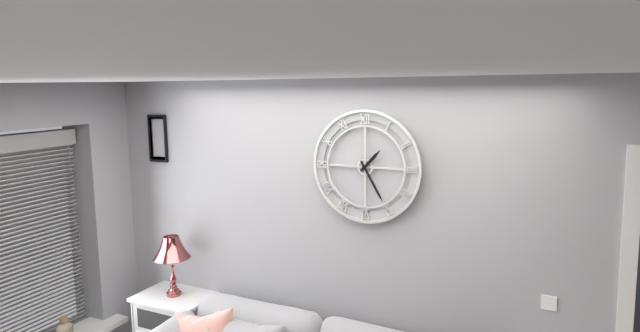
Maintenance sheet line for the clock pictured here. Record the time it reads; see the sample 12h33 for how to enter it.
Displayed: 1h25
